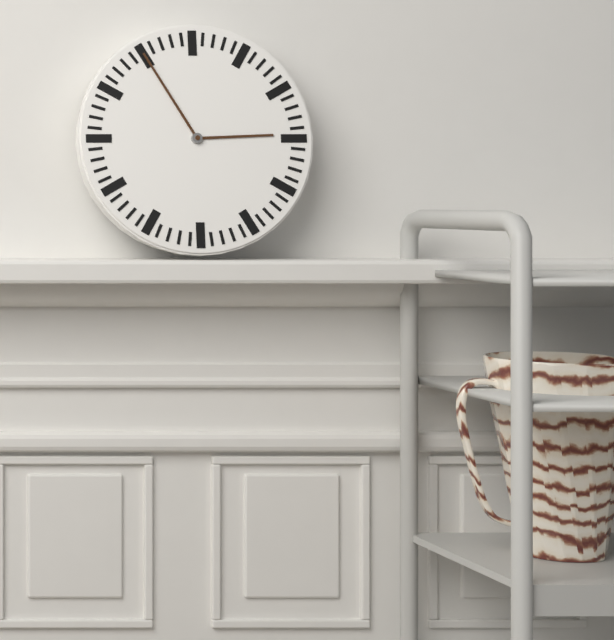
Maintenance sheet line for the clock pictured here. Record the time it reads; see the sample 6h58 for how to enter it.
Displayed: 2h55
